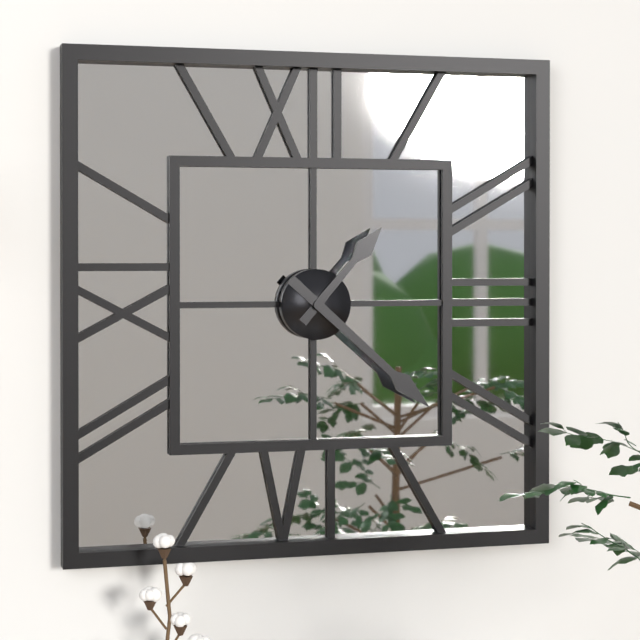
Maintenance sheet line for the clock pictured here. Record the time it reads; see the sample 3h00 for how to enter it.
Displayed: 1h22
